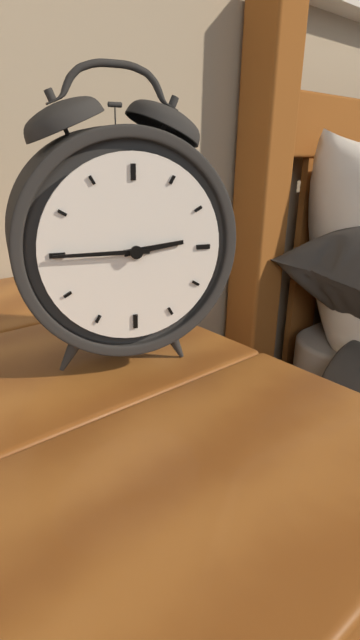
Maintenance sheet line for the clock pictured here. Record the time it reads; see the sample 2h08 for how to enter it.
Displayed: 2h45
